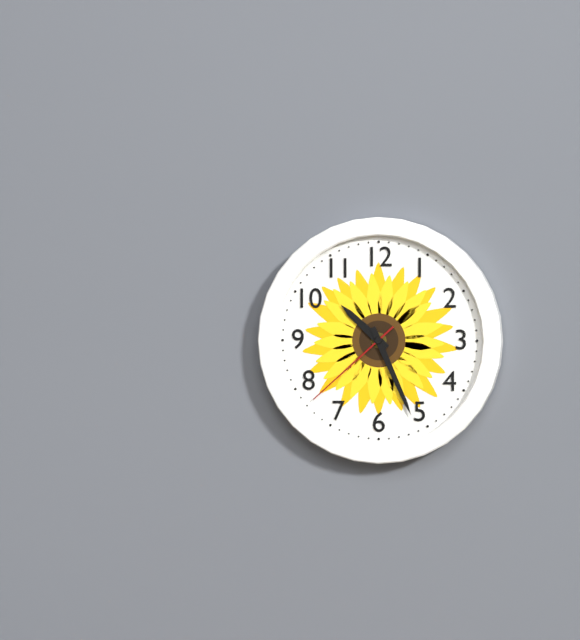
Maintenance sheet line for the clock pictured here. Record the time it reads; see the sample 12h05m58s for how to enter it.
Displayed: 10h26m38s
